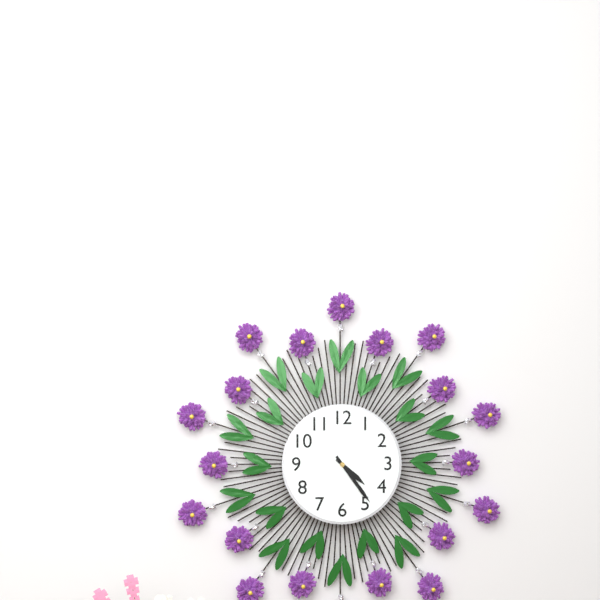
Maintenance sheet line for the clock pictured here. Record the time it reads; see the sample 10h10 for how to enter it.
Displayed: 4h24
